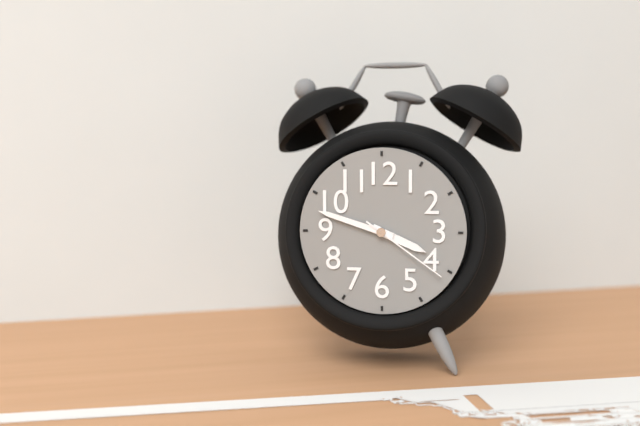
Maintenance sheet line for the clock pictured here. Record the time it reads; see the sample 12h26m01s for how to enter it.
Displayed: 3h48m21s
